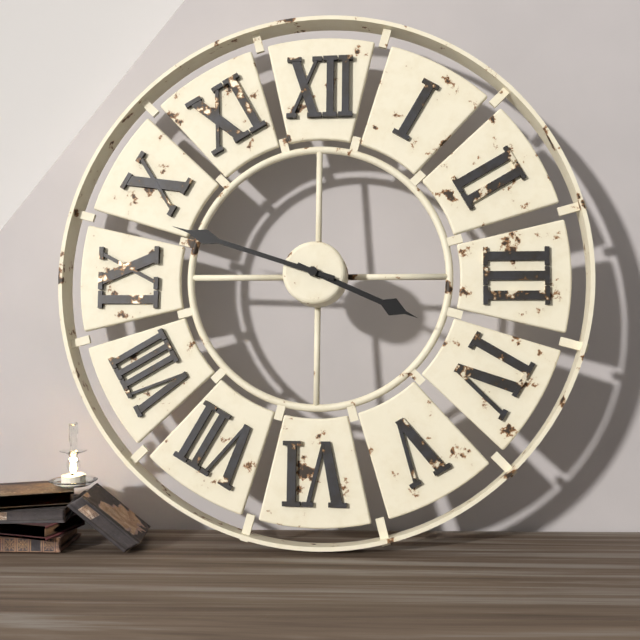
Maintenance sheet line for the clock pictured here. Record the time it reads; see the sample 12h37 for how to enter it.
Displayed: 3h48
